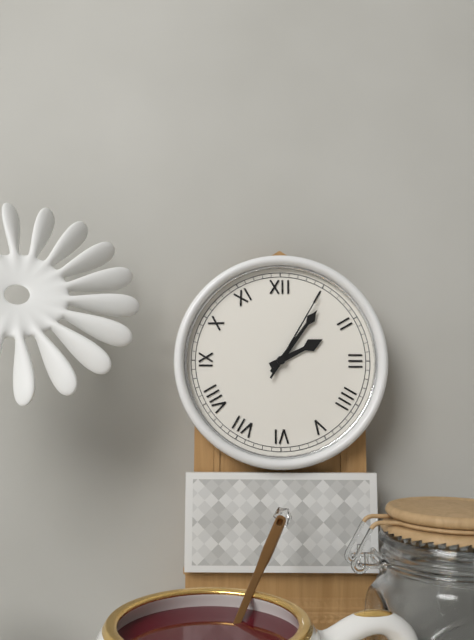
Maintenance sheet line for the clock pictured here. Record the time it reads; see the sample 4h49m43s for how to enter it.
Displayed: 2h06m05s
